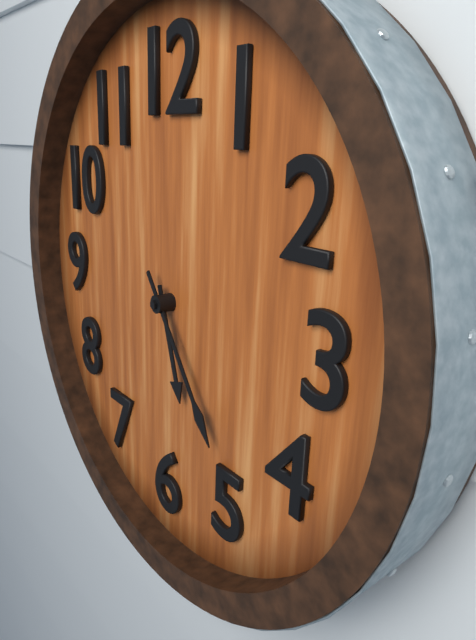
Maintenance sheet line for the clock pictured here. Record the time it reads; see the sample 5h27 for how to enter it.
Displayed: 5h24
